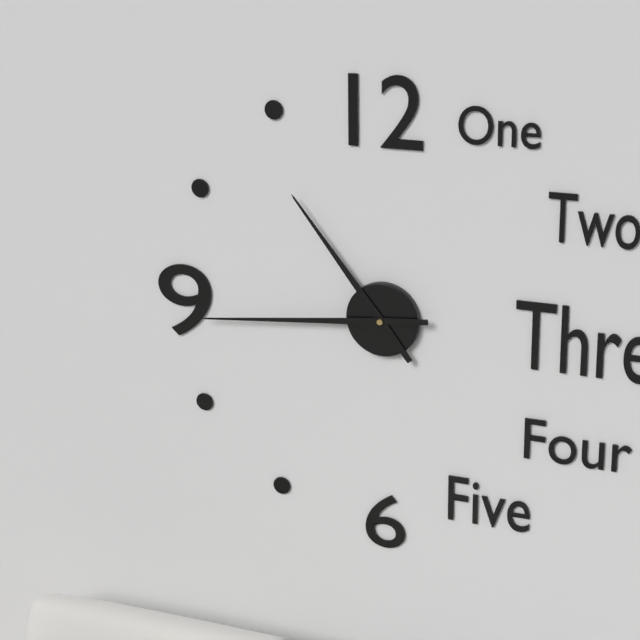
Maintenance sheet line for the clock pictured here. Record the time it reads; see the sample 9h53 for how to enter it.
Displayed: 10h44
